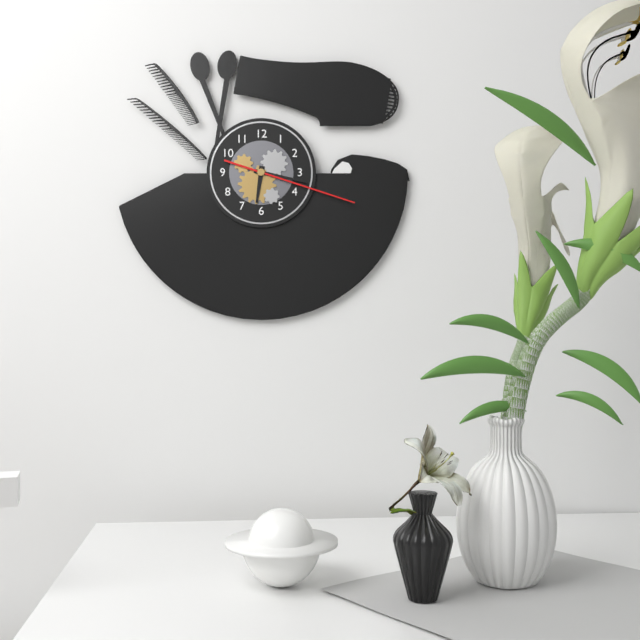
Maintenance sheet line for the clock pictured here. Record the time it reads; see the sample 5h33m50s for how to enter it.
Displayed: 6h17m18s
